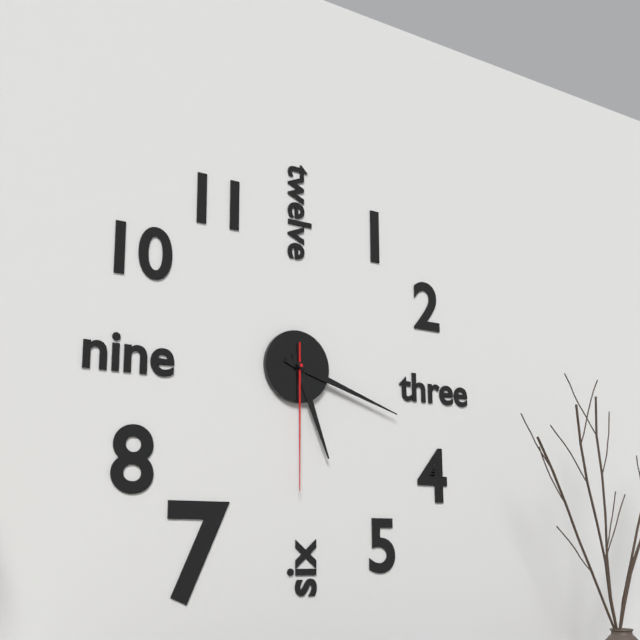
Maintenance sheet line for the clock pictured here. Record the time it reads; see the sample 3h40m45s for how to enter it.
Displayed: 5h18m30s
